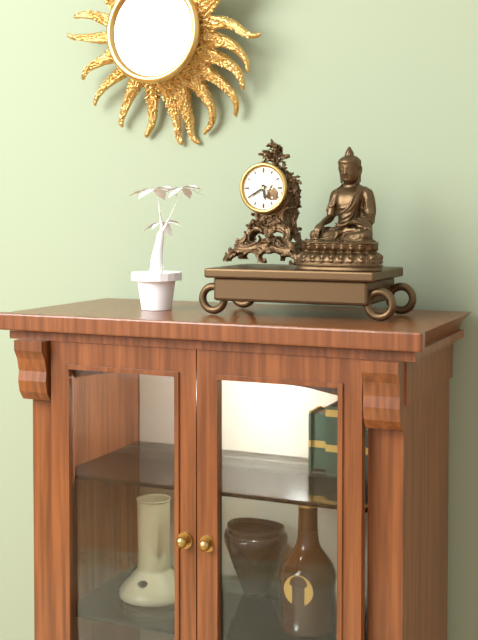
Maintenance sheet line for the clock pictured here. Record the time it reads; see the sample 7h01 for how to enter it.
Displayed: 5h40
